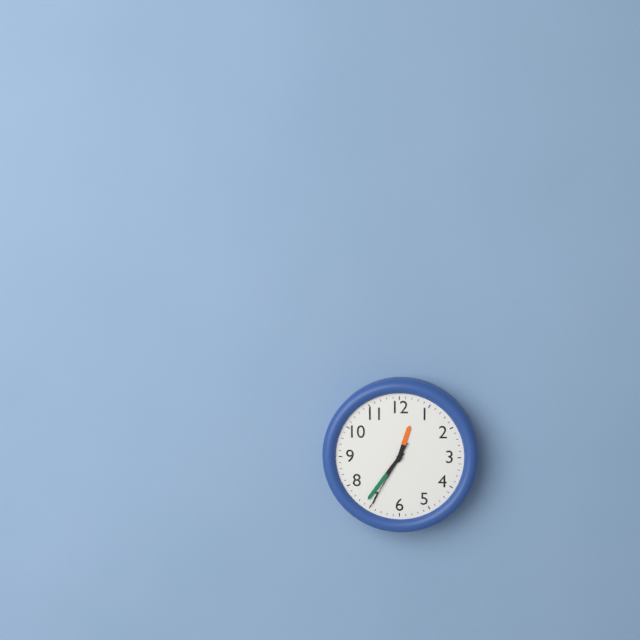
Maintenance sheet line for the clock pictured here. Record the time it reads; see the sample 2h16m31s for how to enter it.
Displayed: 12h36m35s
